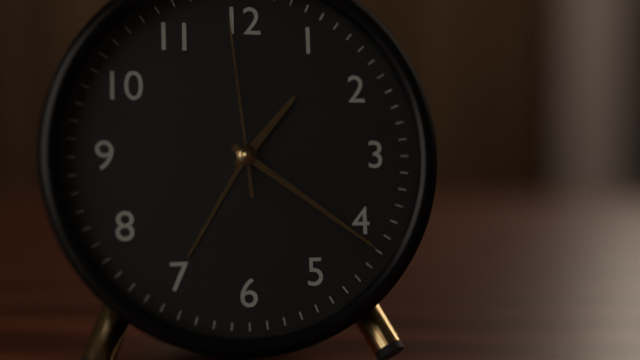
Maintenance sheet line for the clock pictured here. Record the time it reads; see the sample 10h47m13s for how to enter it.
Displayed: 1h21m59s
